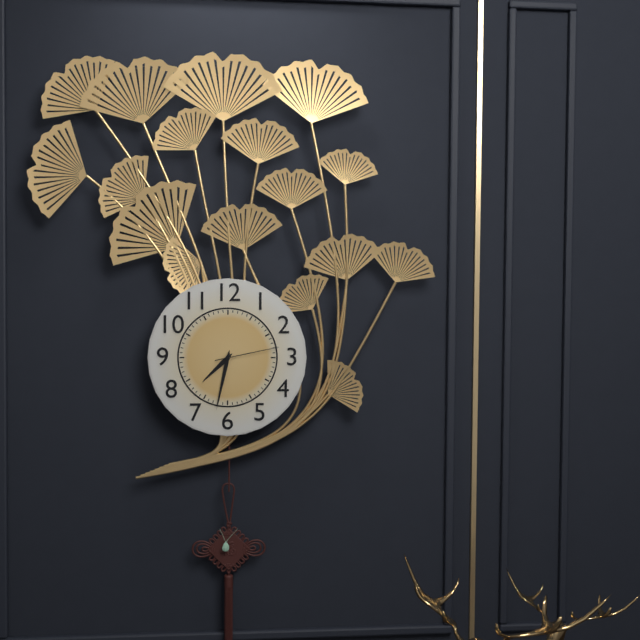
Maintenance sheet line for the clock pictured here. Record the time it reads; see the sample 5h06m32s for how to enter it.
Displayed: 7h32m13s
